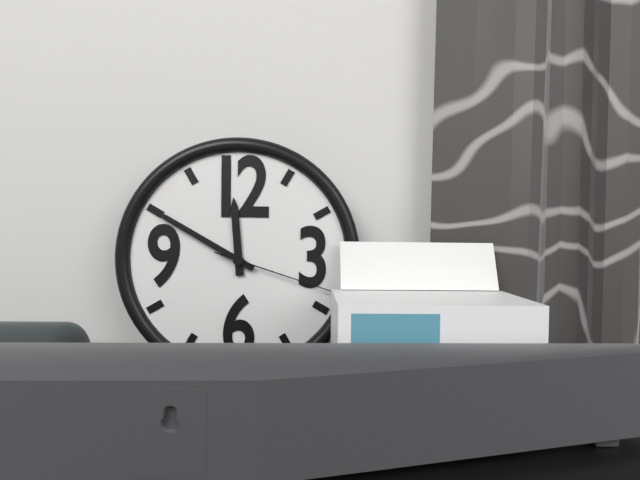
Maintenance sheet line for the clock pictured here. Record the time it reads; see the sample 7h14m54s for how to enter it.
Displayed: 11h50m18s
